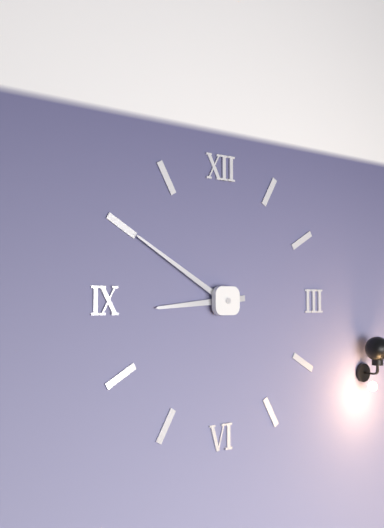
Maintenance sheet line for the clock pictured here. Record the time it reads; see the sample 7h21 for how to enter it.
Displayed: 8h50
